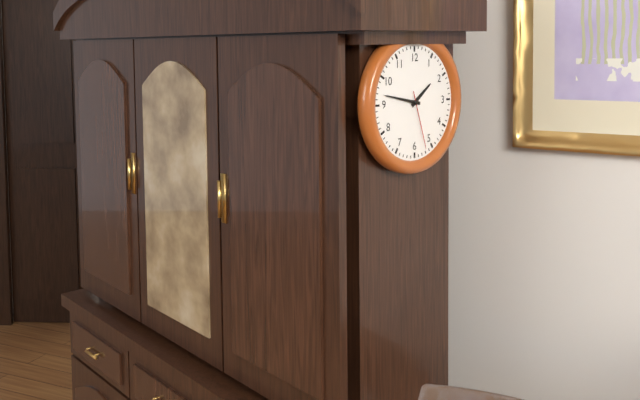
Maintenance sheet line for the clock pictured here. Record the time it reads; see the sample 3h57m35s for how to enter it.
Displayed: 1h47m27s
